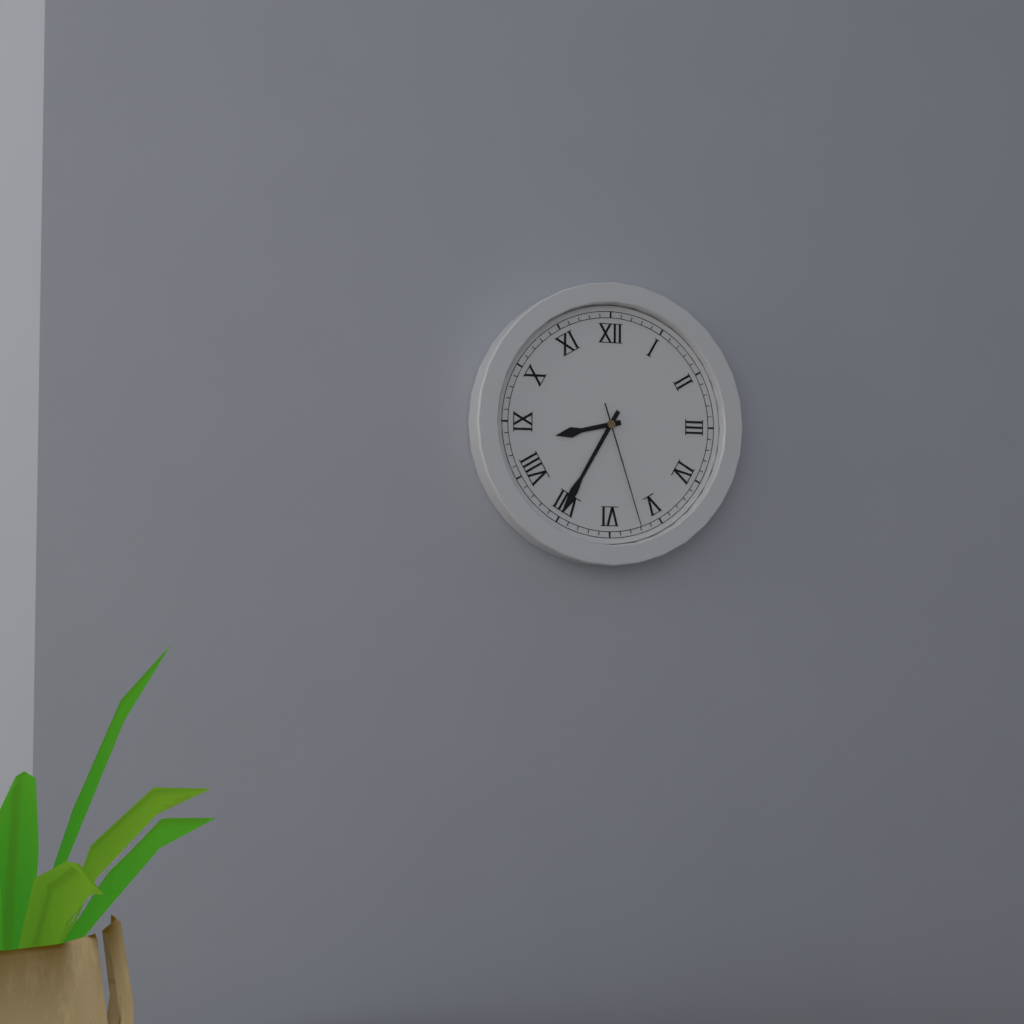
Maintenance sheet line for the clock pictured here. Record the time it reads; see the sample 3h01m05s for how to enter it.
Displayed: 8h35m27s
